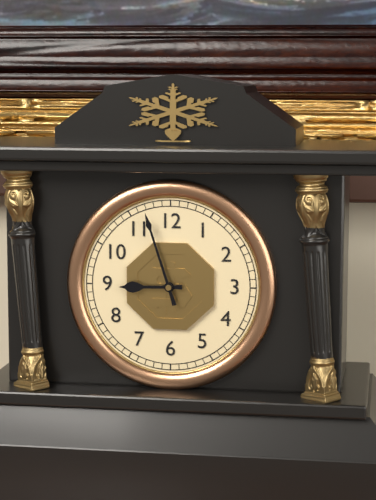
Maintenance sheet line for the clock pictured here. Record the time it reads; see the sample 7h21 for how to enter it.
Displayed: 8h57
